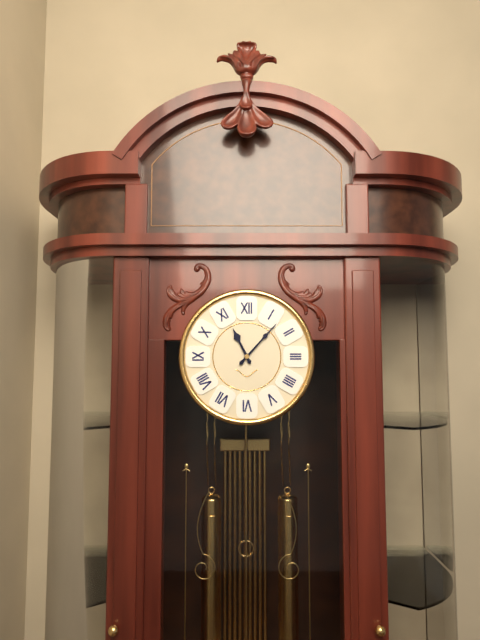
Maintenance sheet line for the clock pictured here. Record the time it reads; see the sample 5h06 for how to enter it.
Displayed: 11h07
